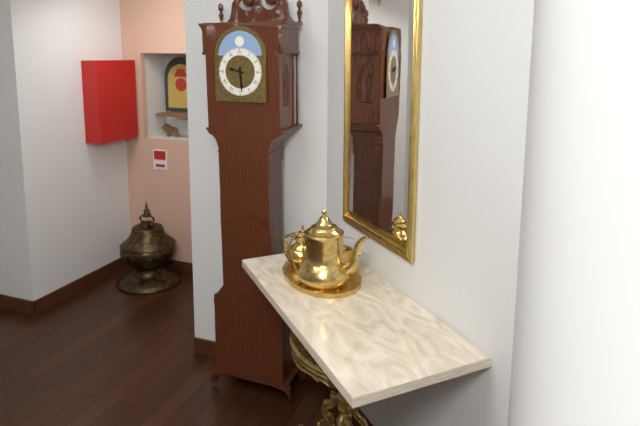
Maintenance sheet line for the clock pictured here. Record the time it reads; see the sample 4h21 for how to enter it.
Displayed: 9h29
